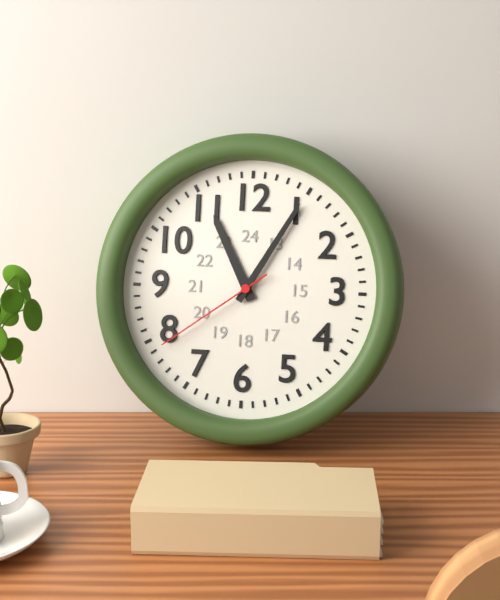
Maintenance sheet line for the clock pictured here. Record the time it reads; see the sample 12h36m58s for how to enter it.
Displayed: 11h05m39s
